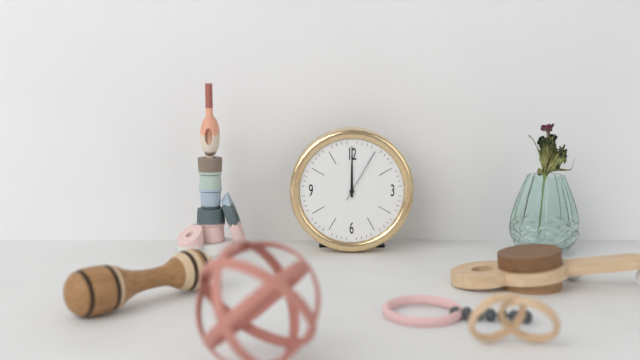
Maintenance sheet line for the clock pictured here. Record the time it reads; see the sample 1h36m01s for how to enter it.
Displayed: 12h00m05s
